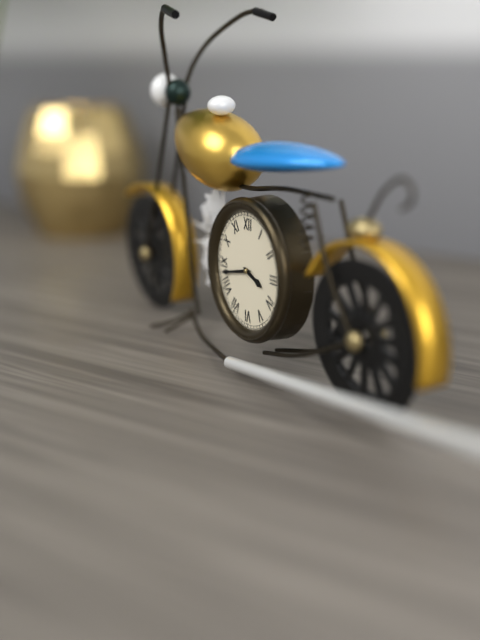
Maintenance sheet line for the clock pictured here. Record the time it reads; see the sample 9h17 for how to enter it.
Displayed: 3h43
